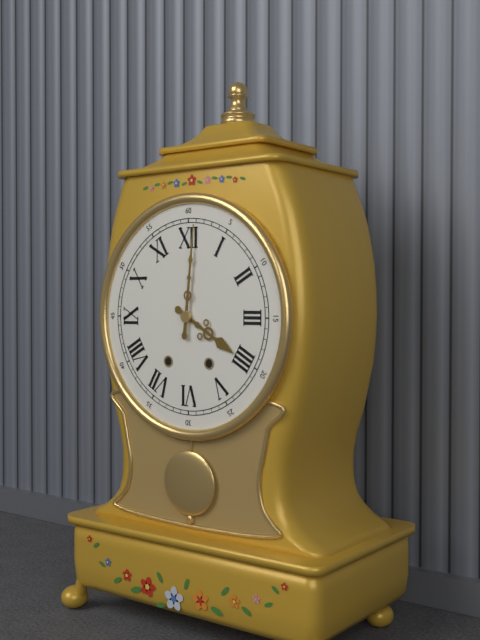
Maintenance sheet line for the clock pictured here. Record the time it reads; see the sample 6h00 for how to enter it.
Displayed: 4h01
